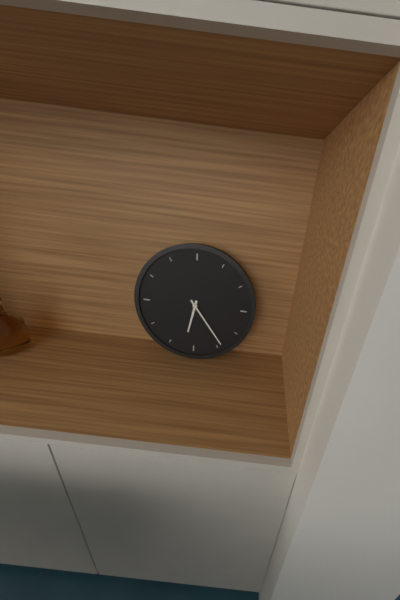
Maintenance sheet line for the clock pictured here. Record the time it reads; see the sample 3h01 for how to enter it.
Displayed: 6h24
